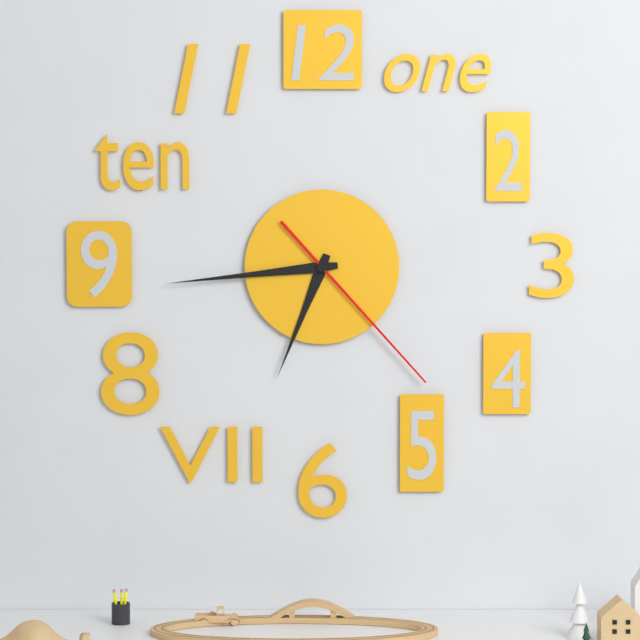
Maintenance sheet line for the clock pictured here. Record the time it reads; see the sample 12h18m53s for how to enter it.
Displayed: 6h44m23s
